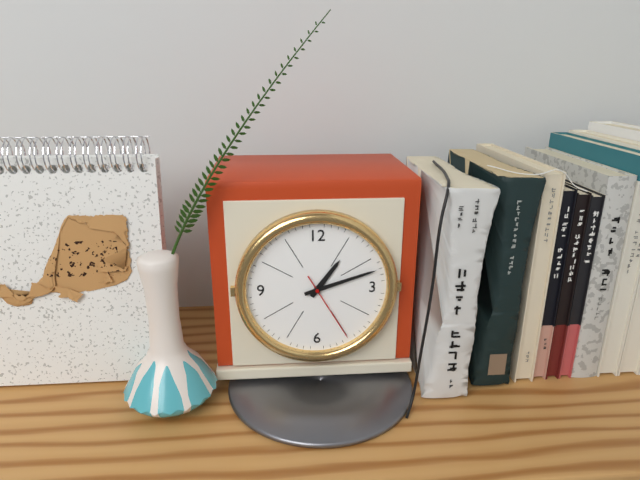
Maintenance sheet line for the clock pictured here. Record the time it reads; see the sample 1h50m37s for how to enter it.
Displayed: 1h12m25s
